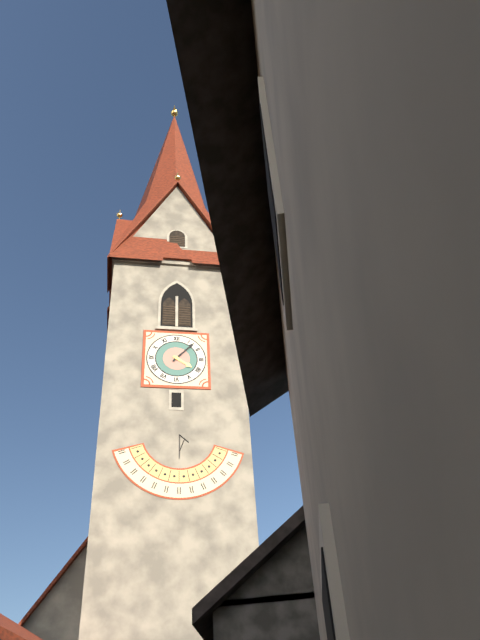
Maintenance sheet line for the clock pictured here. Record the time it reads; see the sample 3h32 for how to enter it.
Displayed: 4h07
